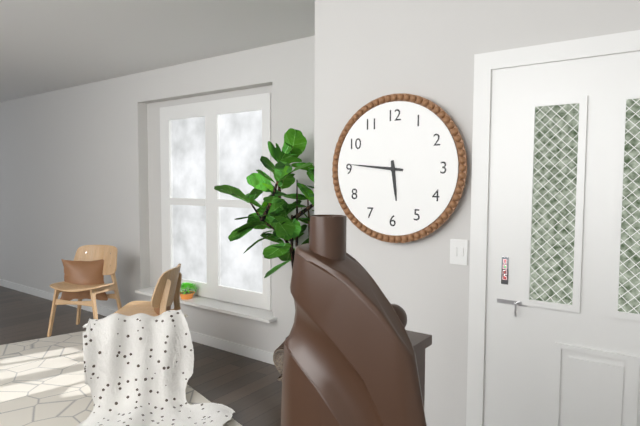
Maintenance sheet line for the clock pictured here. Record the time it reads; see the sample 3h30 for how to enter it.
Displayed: 5h46
